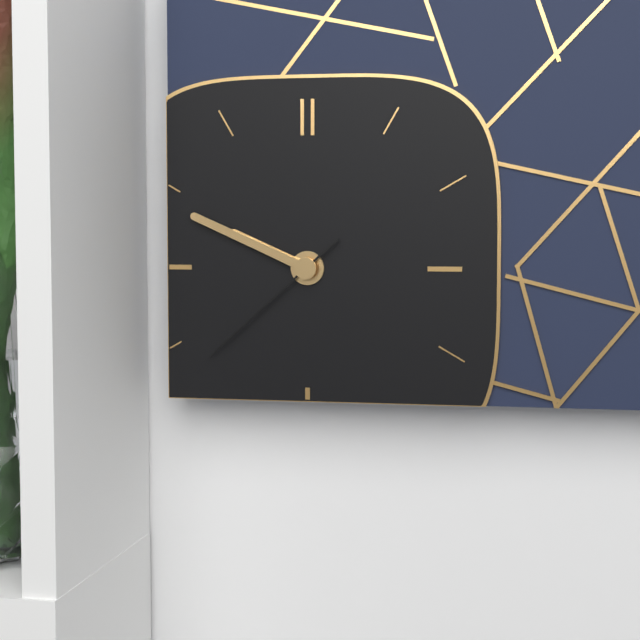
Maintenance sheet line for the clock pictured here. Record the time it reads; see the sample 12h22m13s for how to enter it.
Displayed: 9h49m38s
